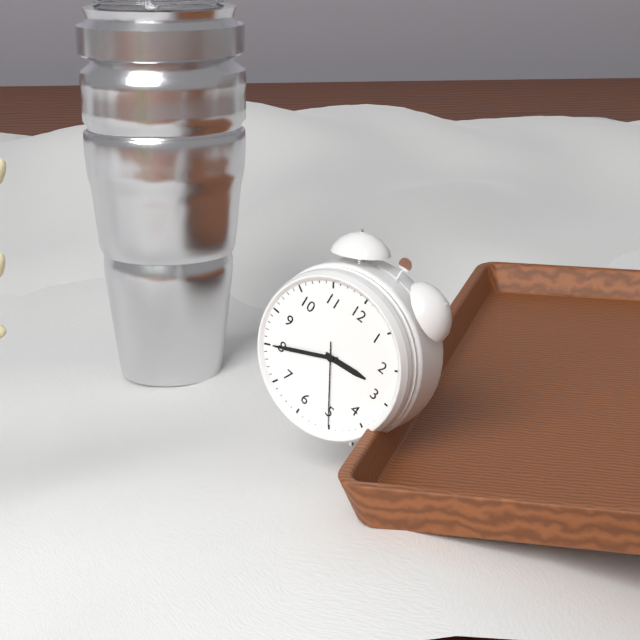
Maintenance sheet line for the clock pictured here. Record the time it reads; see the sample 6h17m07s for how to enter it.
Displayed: 2h40m25s
